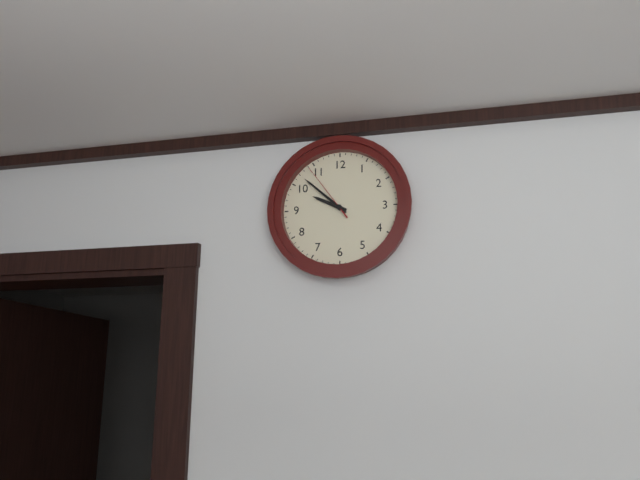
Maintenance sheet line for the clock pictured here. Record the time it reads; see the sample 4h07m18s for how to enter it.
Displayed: 9h52m54s
